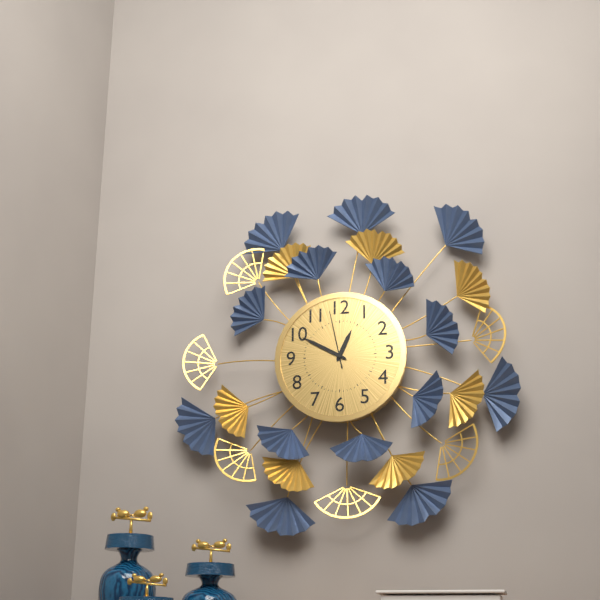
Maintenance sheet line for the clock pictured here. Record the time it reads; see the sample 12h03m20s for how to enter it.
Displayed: 12h50m58s
